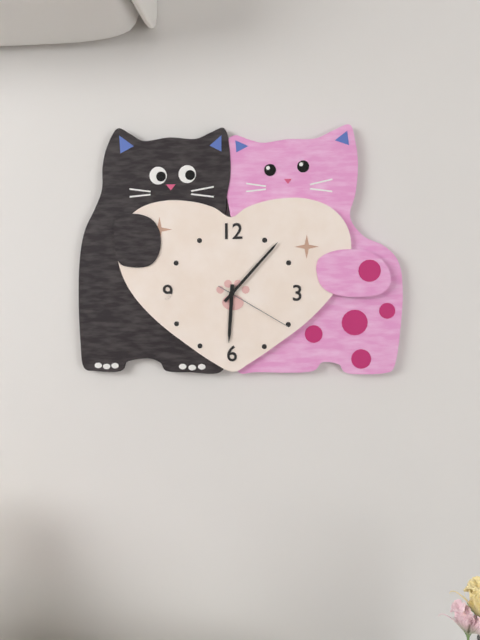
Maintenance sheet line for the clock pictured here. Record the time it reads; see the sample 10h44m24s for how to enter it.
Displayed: 6h07m20s
